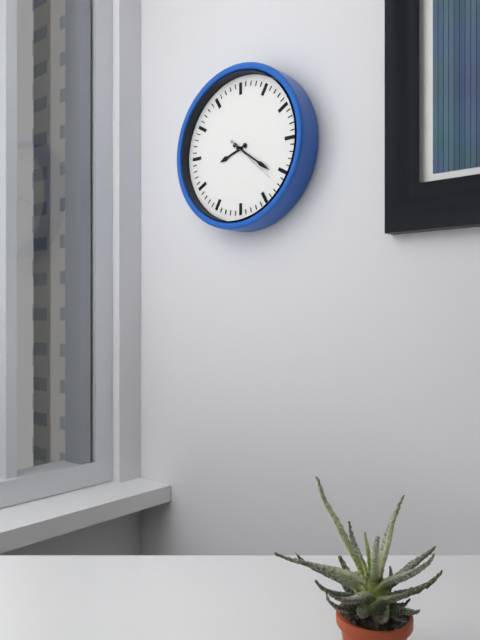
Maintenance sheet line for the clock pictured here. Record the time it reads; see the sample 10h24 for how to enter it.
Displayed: 8h21
